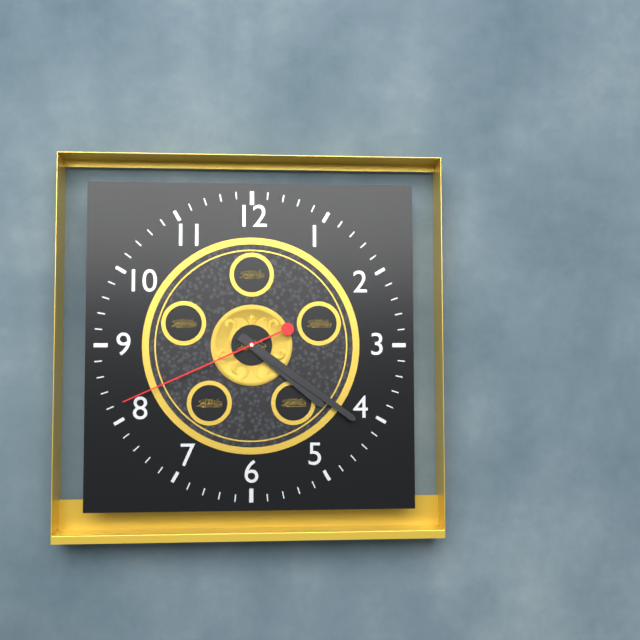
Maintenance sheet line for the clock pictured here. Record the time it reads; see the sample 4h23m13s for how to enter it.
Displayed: 4h21m41s
